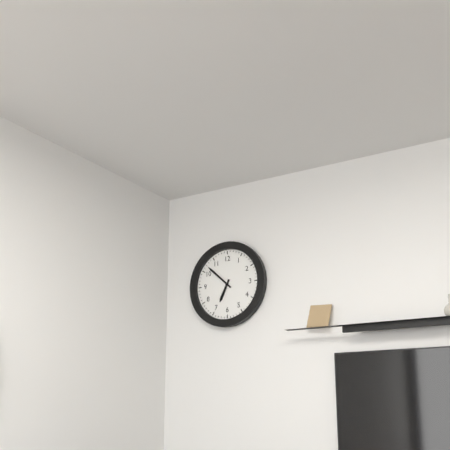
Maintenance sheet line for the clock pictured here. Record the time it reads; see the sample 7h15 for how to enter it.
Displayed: 6h52
